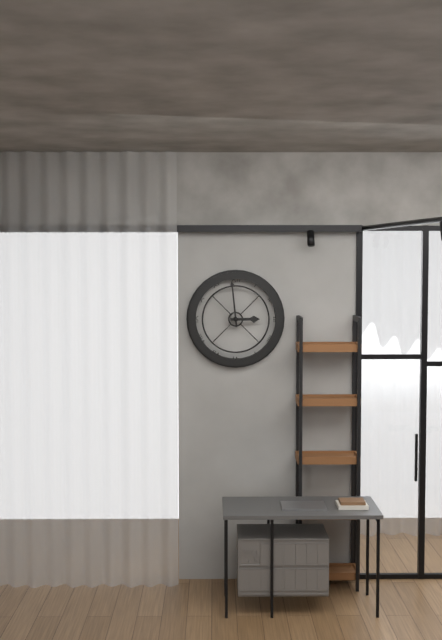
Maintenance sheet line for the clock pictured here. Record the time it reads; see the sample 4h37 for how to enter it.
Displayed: 2h59
